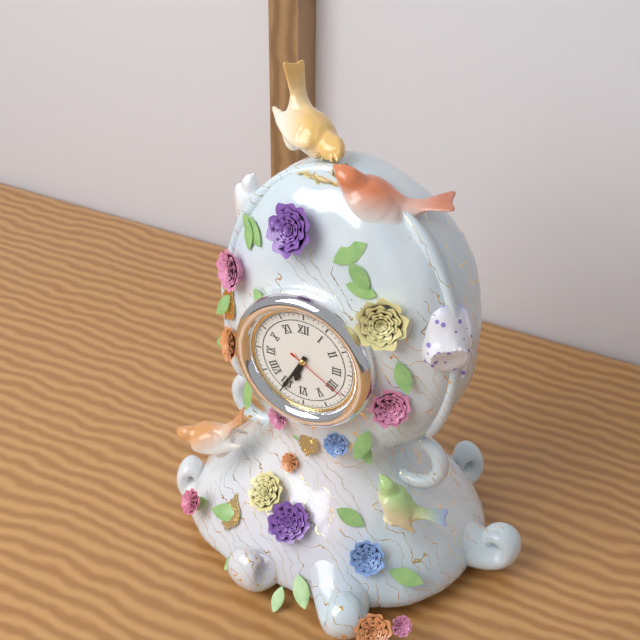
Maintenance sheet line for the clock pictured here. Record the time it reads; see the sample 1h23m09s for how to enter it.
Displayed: 6h35m20s
